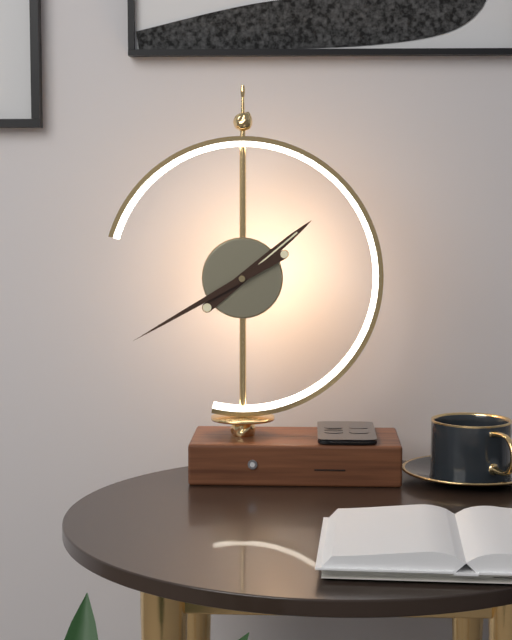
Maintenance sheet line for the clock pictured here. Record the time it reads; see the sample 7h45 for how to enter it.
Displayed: 1h40
